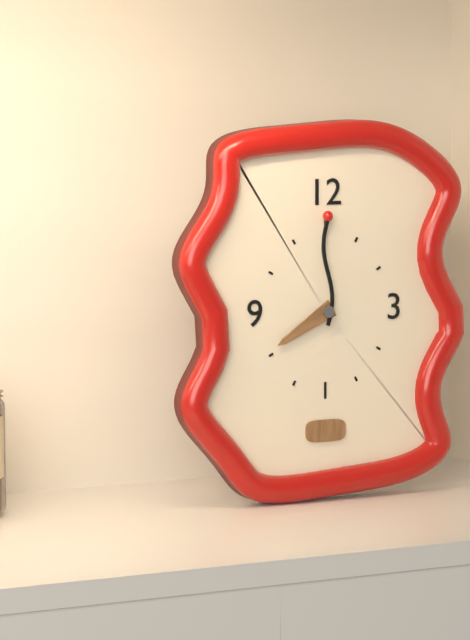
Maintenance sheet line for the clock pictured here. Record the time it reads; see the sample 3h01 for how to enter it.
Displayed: 8h00
